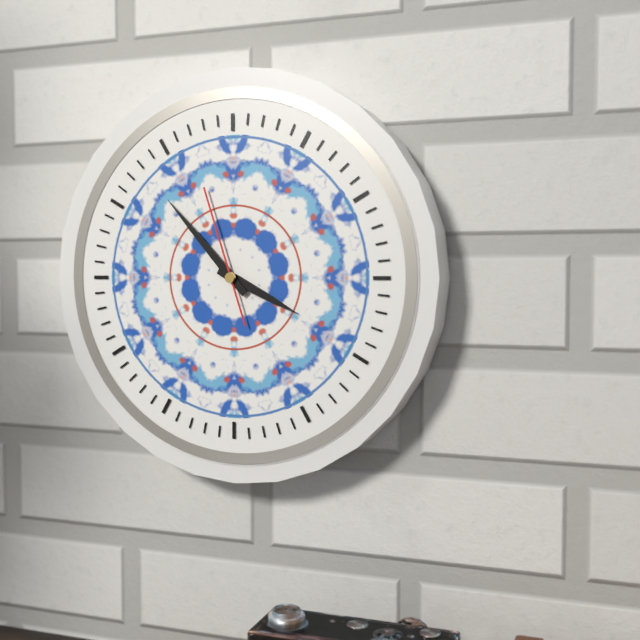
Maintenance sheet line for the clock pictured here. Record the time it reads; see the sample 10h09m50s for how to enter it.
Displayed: 3h53m57s
